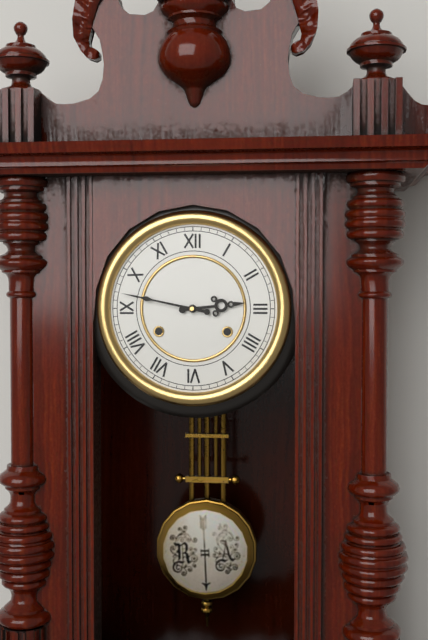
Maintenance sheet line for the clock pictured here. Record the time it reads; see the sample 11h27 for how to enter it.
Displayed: 2h47
